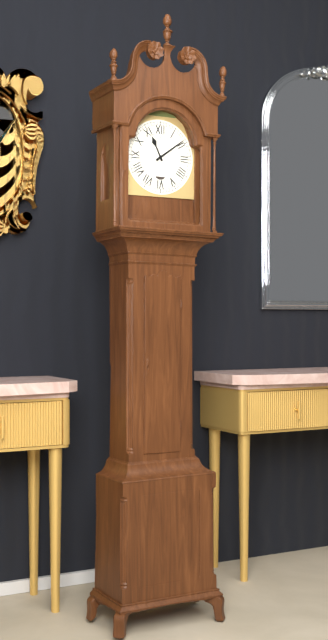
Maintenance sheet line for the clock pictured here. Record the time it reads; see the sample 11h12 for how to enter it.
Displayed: 11h09
